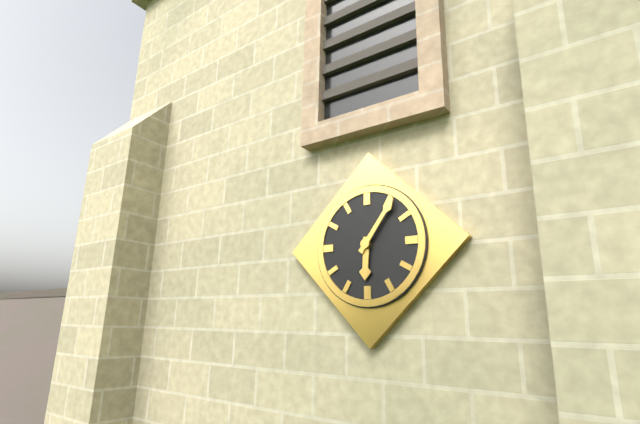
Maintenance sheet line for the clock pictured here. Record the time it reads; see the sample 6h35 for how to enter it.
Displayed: 6h06
